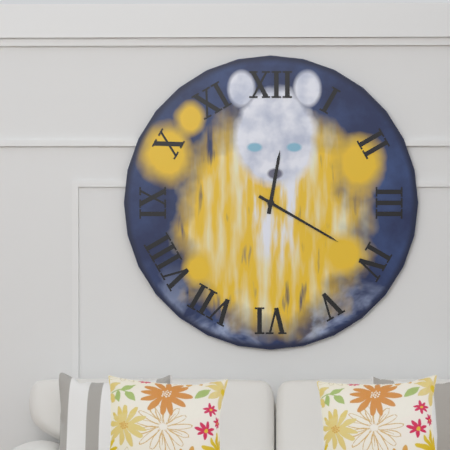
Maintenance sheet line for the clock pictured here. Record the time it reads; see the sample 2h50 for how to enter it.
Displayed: 12h20
